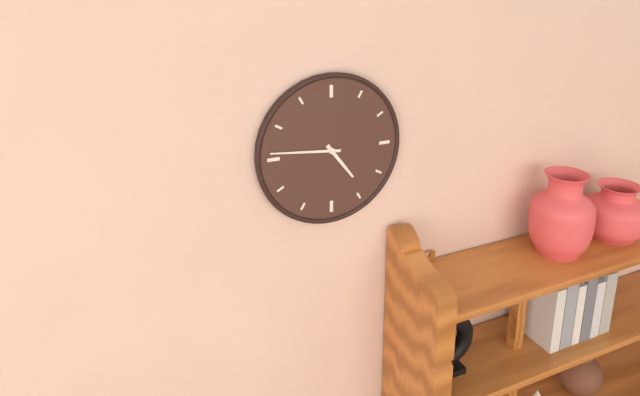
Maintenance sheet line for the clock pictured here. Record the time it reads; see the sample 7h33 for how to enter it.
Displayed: 4h46
